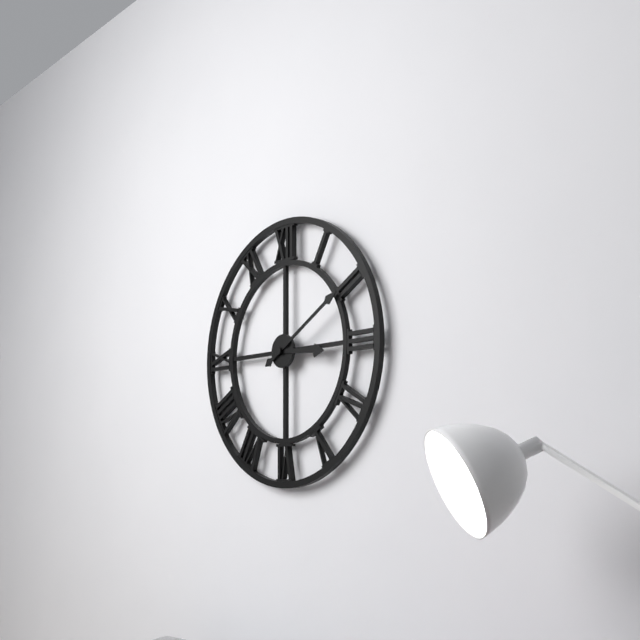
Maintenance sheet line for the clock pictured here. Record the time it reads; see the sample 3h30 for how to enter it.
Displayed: 3h10
